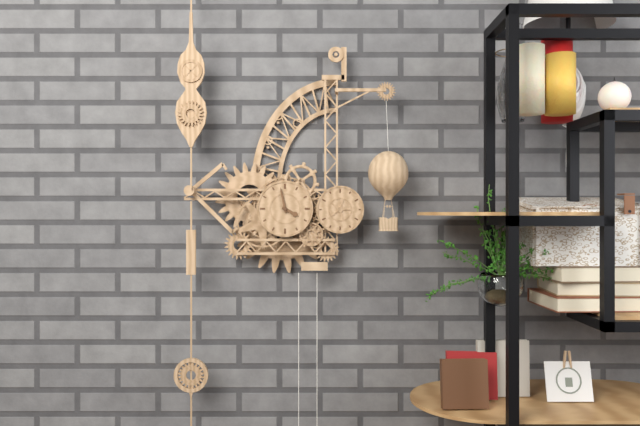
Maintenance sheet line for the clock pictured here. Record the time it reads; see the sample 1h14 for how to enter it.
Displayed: 3h58
